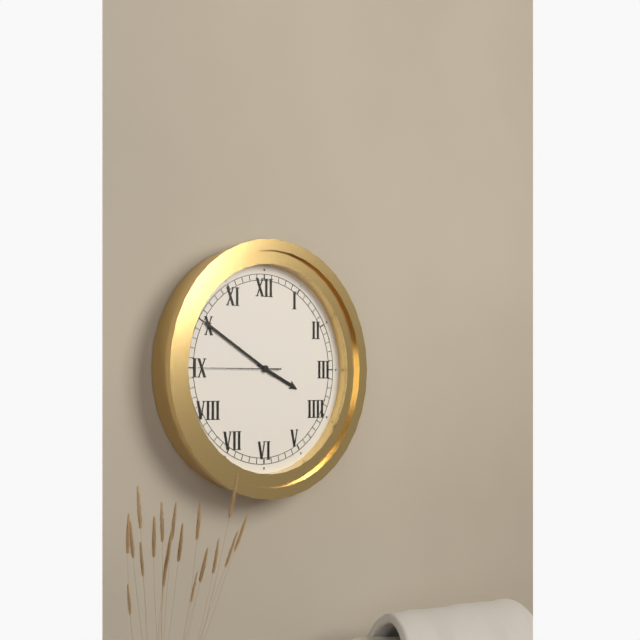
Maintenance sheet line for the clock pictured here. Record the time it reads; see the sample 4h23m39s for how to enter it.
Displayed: 3h50m45s
